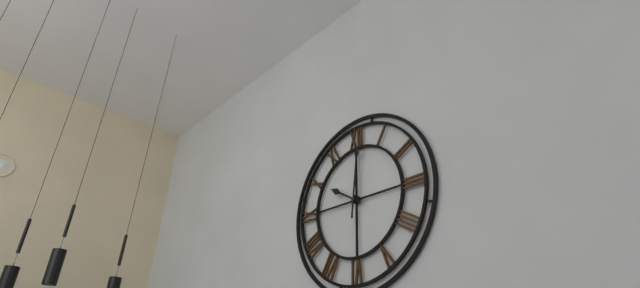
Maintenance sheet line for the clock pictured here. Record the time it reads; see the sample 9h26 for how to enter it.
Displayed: 10h01
